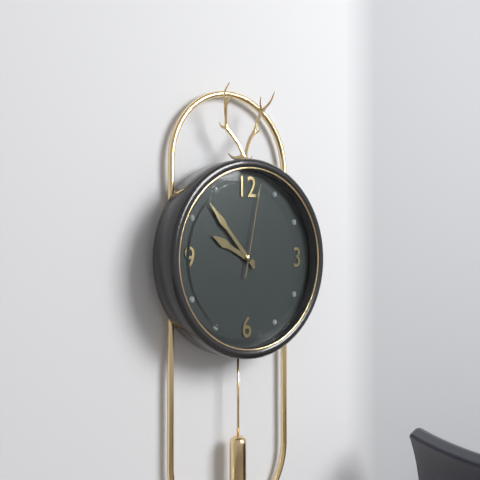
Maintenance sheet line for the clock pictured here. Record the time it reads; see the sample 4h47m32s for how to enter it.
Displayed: 9h53m02s
